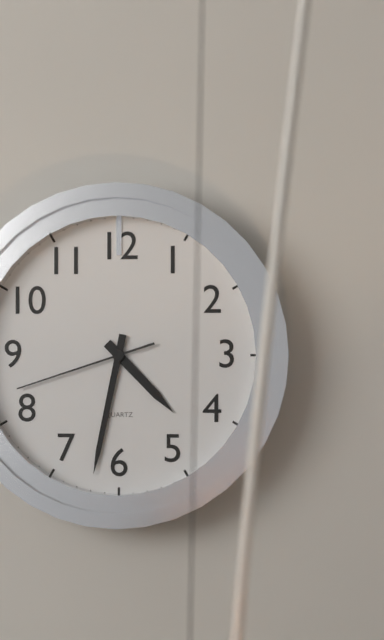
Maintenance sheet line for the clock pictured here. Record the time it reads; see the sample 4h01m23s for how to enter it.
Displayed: 4h32m42s
